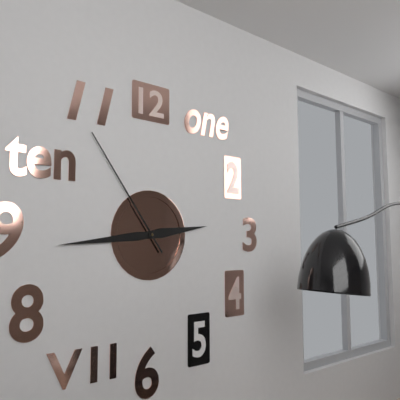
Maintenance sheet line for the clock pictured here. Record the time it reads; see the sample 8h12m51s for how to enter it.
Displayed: 2h44m54s
